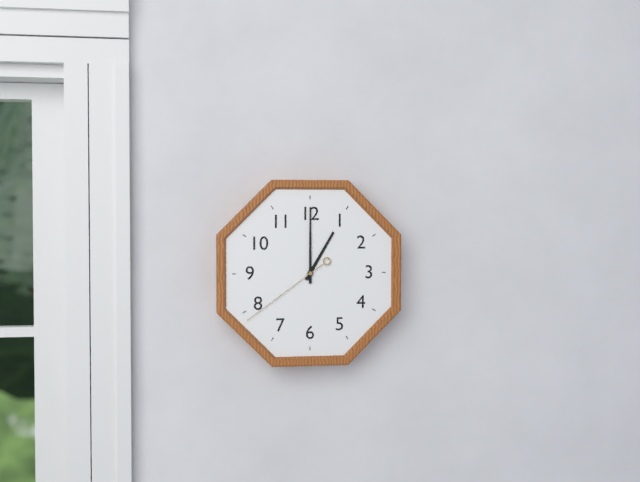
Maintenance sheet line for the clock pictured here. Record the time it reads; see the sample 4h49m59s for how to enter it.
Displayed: 1h00m39s
